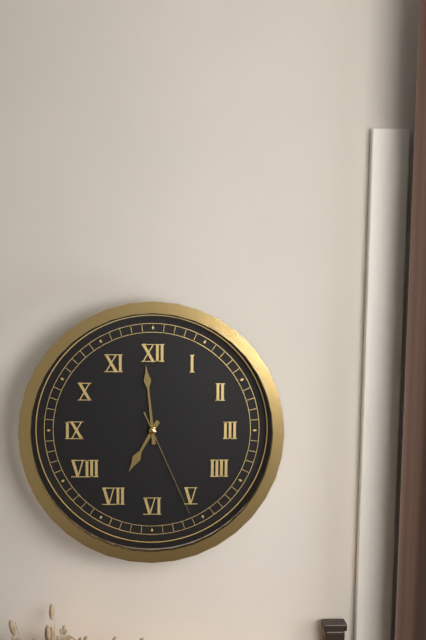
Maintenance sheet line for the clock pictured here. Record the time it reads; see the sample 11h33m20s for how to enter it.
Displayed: 6h59m26s
